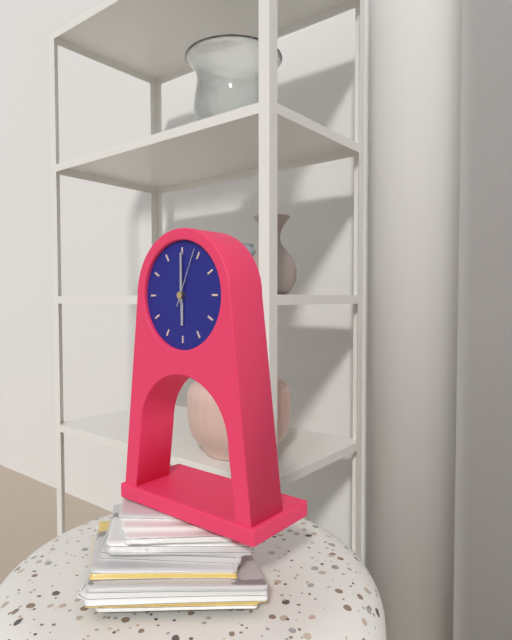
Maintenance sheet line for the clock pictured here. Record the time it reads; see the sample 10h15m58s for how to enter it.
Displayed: 6h00m04s
